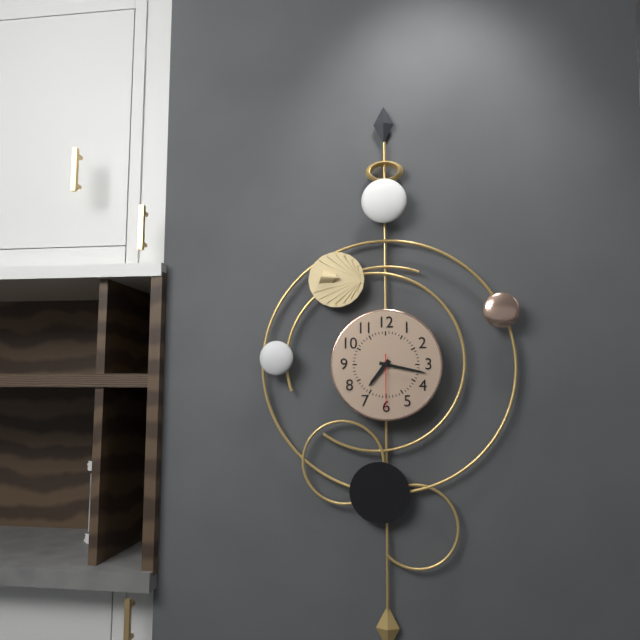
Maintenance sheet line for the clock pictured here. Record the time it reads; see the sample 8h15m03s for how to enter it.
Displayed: 7h17m30s
